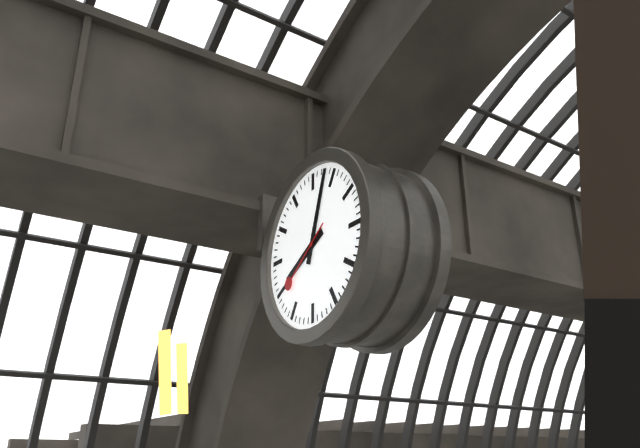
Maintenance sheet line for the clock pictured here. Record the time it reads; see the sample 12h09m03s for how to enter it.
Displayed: 8h03m39s
